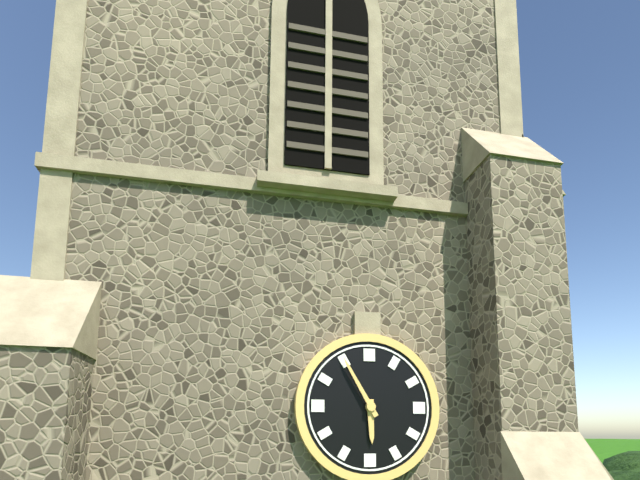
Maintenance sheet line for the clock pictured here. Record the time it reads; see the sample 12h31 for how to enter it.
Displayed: 5h55
